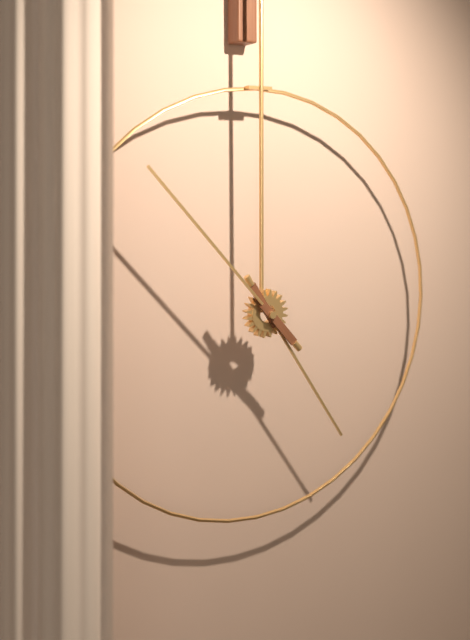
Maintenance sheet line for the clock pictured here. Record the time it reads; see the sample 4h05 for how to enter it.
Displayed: 4h53
